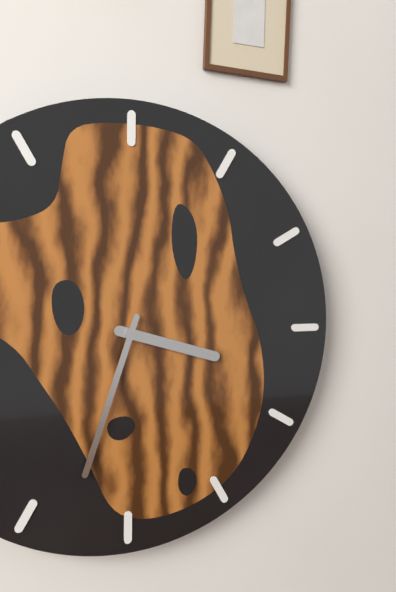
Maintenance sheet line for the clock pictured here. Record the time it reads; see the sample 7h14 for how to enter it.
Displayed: 3h33
